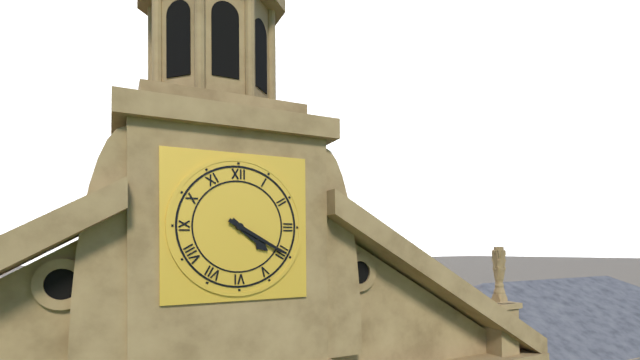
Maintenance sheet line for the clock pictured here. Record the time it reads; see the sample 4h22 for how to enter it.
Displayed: 4h20
